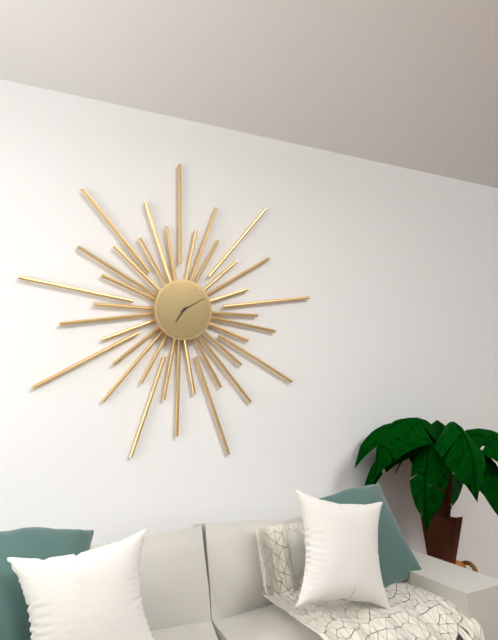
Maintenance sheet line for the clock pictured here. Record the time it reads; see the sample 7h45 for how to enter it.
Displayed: 7h10
